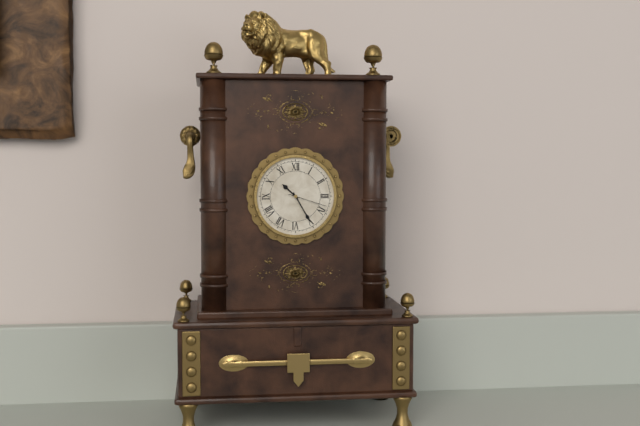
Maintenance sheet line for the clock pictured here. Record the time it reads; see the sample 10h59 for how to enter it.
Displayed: 10h25
